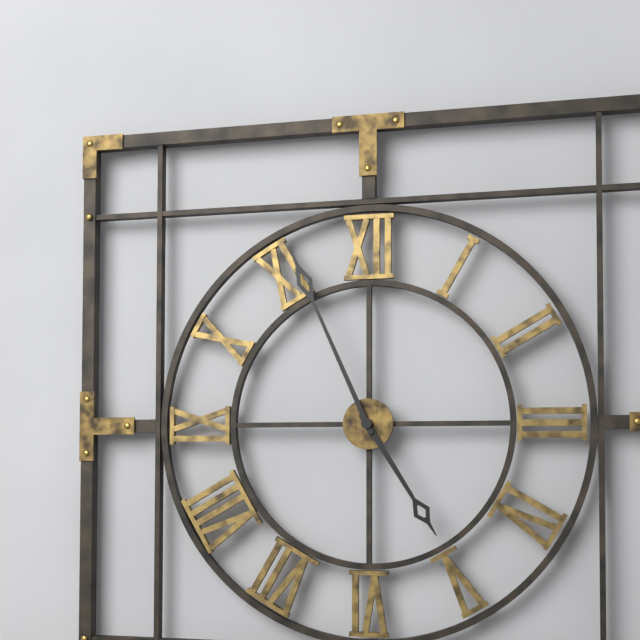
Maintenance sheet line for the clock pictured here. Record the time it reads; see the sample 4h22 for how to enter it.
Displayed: 4h56
